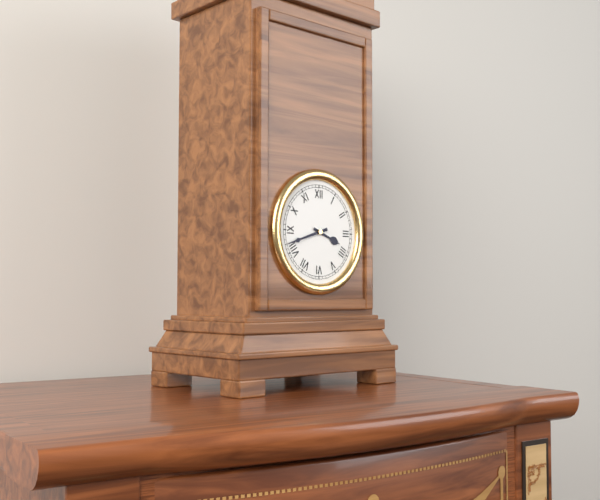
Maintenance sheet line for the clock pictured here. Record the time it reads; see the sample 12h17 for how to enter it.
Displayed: 3h42
